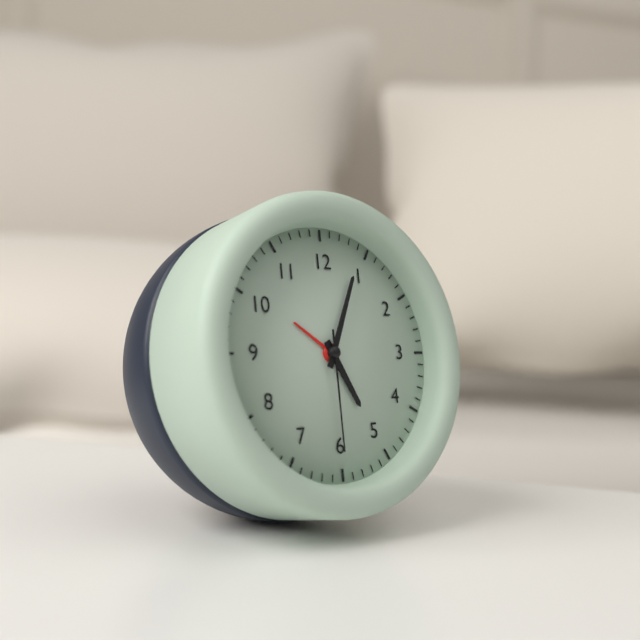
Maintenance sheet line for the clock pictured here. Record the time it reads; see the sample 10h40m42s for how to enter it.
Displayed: 5h04m30s
